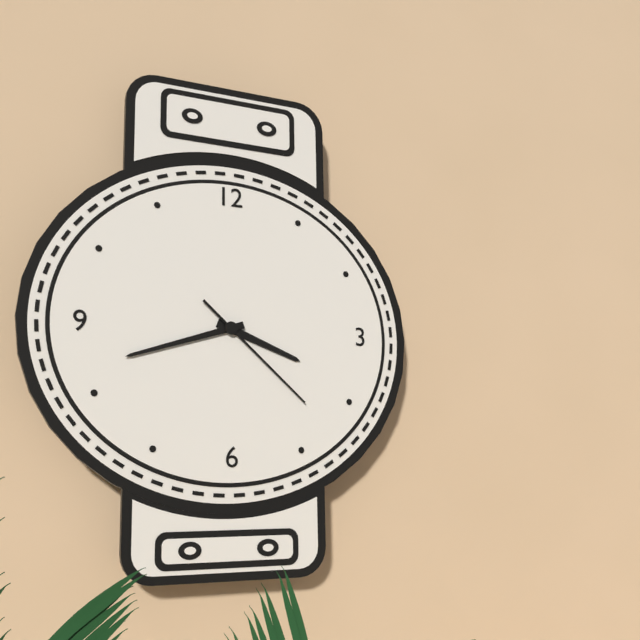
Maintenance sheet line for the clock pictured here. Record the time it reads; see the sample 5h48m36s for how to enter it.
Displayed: 3h42m22s
